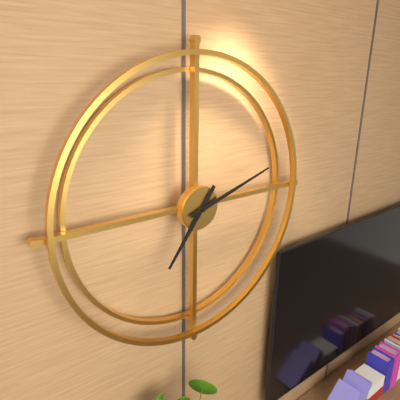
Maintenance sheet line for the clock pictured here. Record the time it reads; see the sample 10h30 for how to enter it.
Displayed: 7h12
